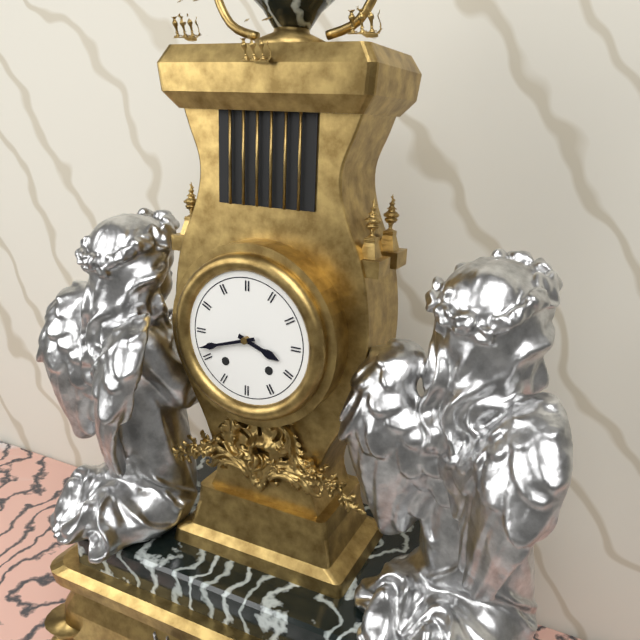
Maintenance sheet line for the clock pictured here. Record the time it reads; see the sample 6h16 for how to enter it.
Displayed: 3h42
